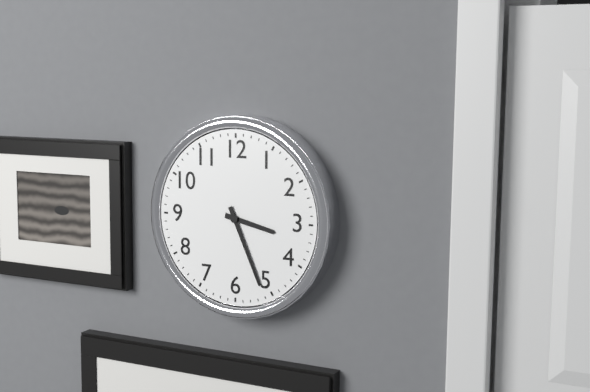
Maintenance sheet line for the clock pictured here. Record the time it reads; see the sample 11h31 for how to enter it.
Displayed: 3h26
